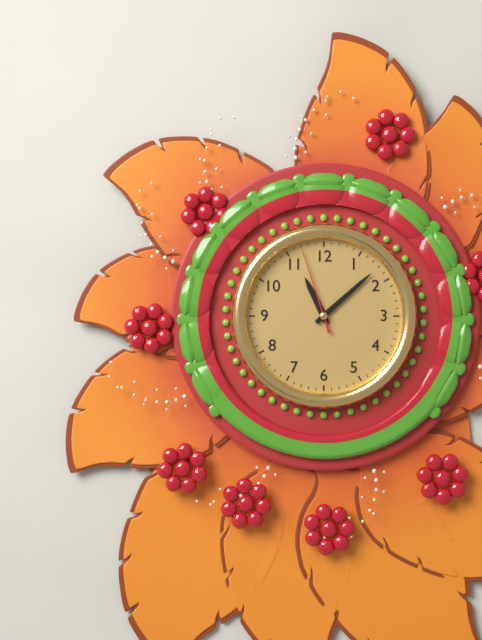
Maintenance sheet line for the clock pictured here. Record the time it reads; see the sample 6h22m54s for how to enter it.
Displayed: 11h08m57s
